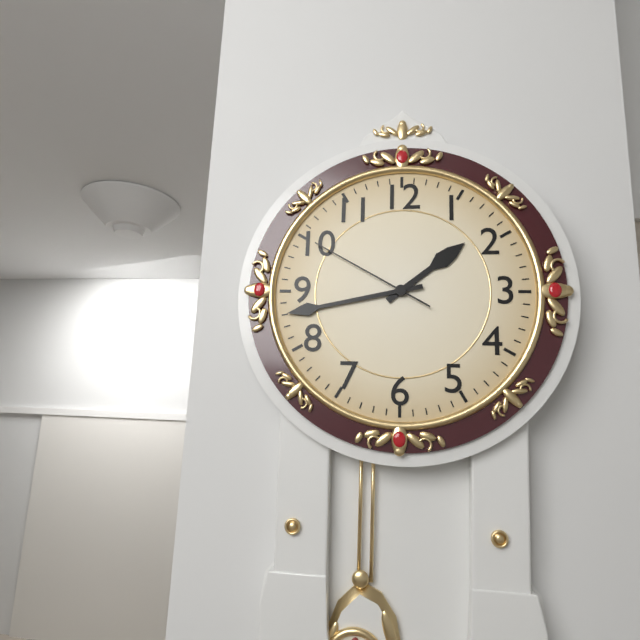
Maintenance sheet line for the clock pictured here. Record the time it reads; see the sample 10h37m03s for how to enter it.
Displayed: 1h43m50s
